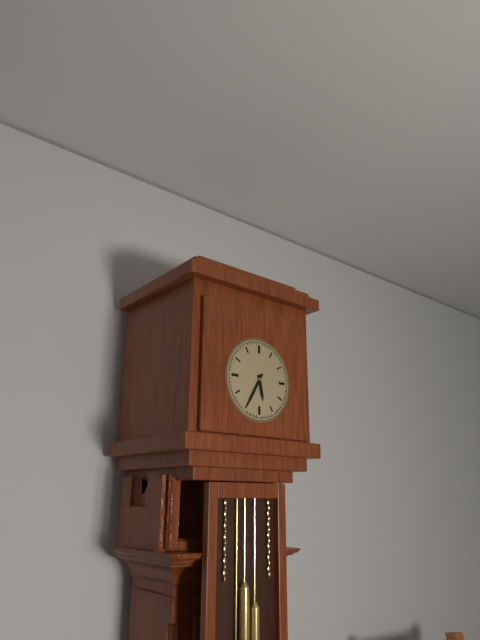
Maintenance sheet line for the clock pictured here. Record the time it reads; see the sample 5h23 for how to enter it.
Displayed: 5h35
